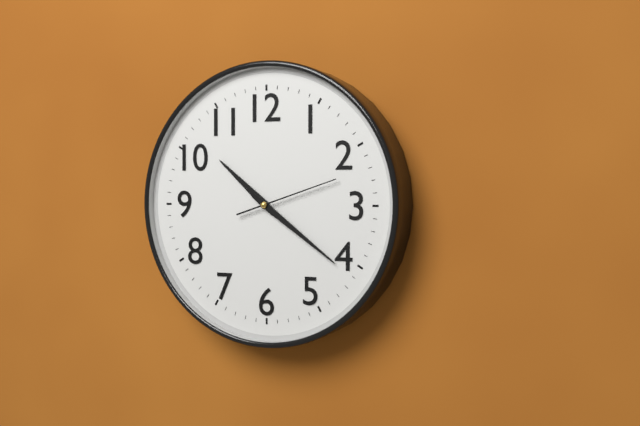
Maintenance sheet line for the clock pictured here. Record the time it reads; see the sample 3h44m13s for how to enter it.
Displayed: 10h21m12s
